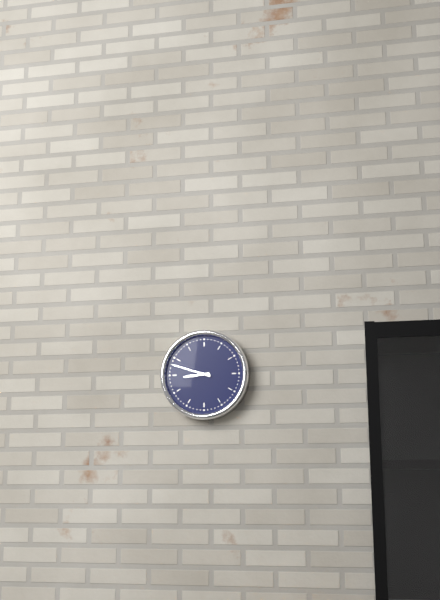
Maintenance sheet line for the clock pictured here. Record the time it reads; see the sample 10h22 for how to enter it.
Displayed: 8h48
